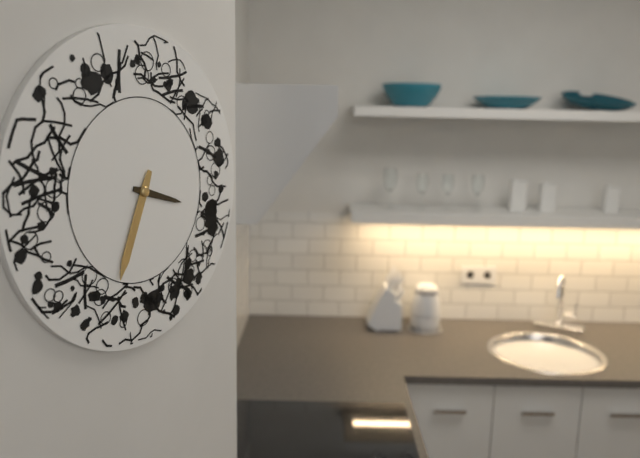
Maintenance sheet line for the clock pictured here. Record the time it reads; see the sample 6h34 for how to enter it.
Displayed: 3h34
